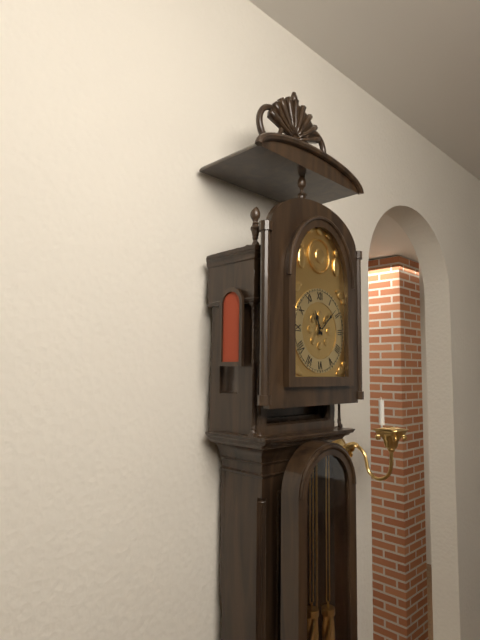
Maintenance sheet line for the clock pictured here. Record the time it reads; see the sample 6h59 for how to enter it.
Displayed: 11h08
